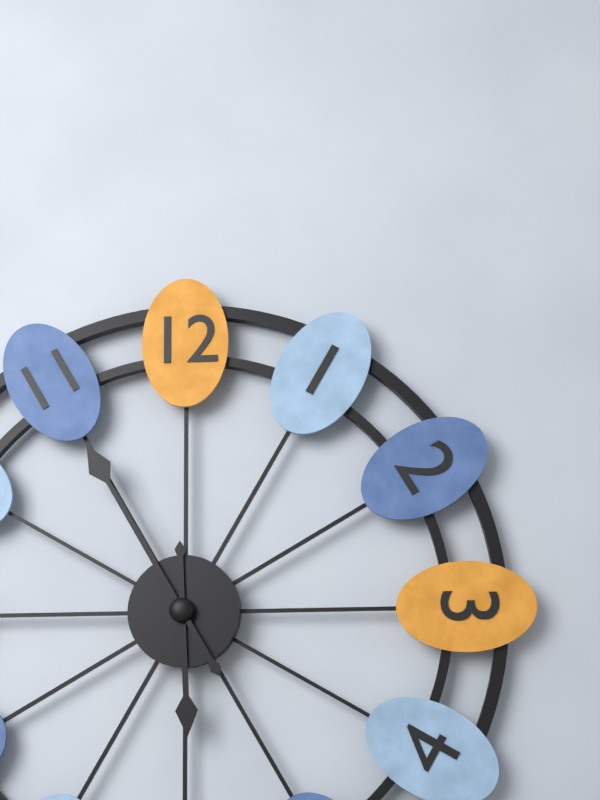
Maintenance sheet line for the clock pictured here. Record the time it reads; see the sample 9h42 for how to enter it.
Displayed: 5h55
